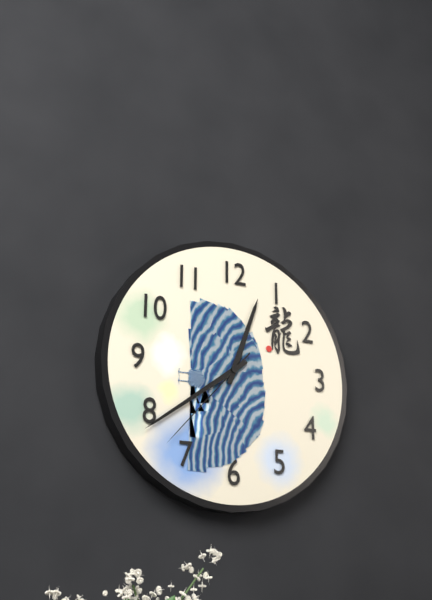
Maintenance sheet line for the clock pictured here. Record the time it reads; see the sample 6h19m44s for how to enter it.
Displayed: 12h39m37s
